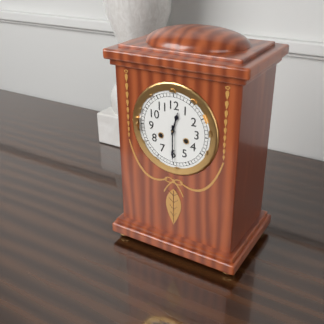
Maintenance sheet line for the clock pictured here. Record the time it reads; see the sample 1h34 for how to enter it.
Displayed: 12h30
